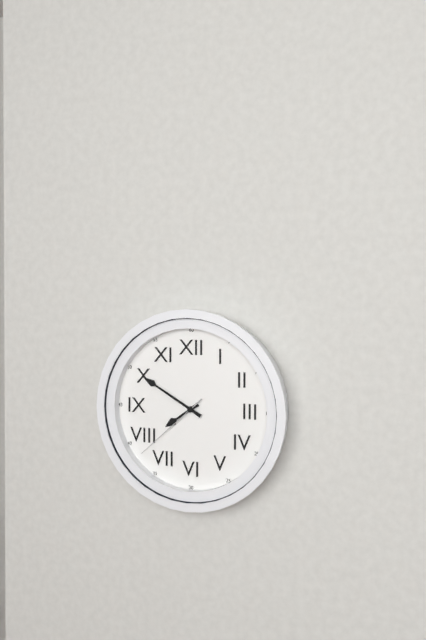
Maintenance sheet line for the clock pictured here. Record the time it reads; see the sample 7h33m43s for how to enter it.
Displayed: 7h50m38s
